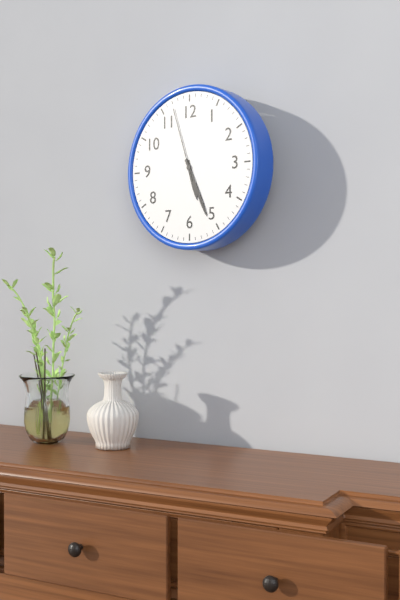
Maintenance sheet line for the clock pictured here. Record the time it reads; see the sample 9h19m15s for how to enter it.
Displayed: 5h26m57s
